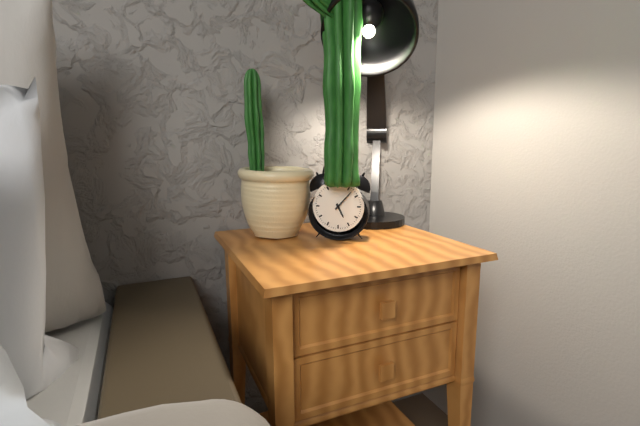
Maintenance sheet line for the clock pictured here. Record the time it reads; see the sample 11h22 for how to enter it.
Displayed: 5h07
